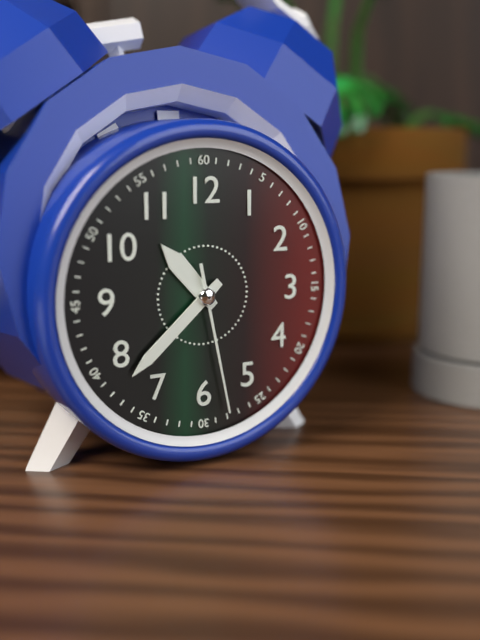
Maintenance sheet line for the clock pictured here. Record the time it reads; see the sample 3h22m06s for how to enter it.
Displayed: 10h38m28s
